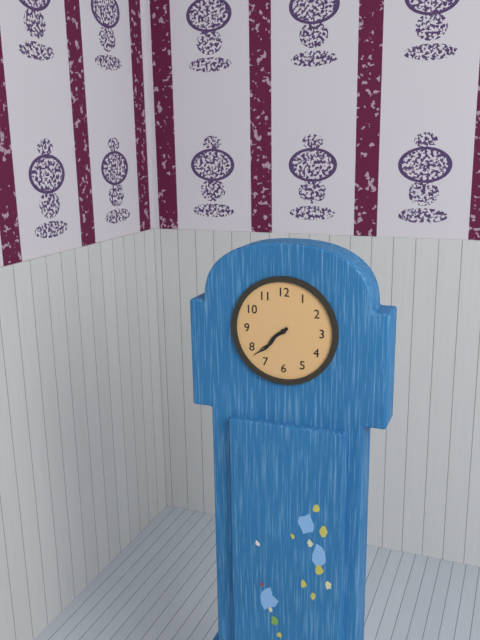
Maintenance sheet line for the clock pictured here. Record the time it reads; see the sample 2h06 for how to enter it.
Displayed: 7h38
